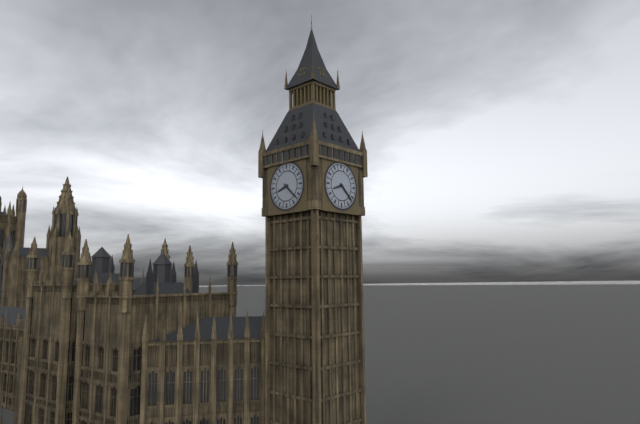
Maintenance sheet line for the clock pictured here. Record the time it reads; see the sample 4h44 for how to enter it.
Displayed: 8h22
